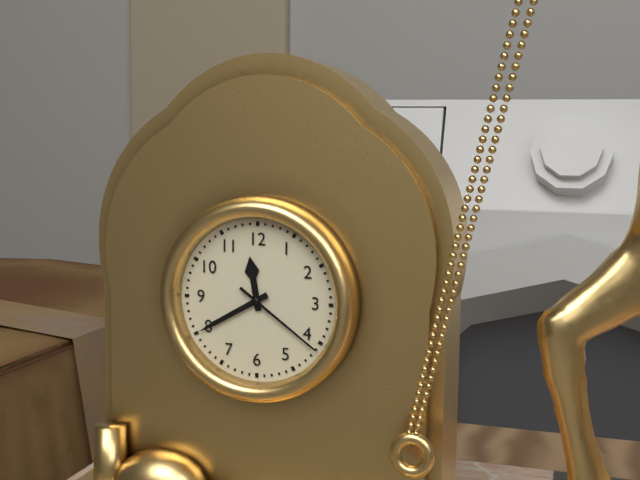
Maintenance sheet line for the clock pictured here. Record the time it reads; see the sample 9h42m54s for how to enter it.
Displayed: 11h40m21s
